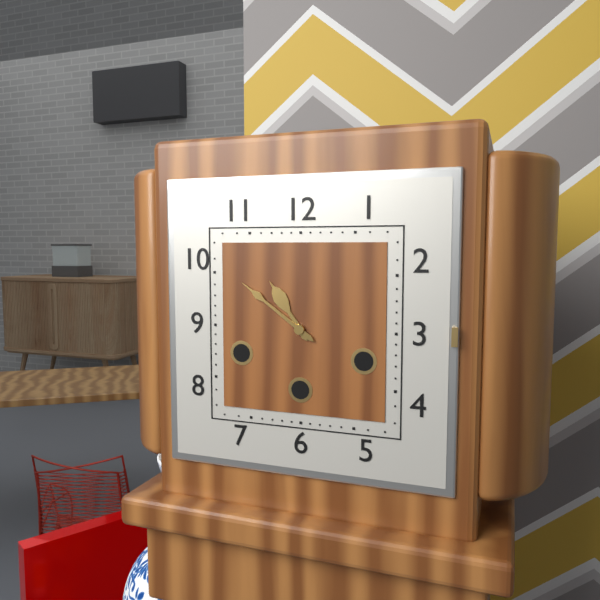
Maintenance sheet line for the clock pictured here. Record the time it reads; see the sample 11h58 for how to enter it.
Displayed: 10h51
